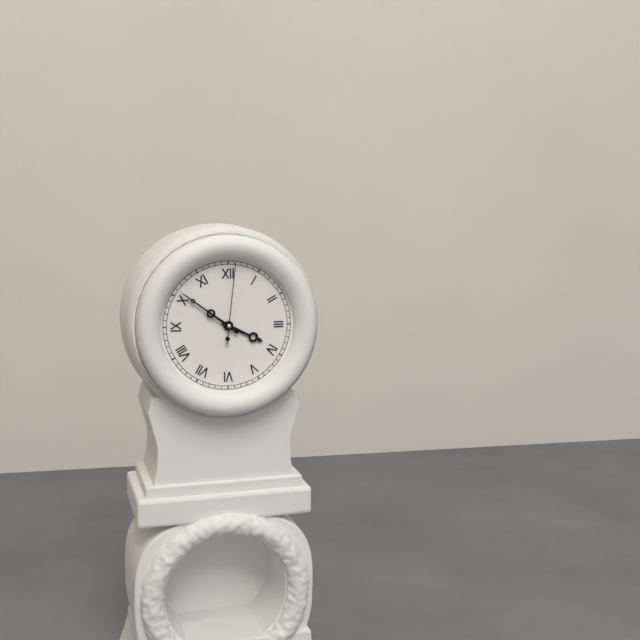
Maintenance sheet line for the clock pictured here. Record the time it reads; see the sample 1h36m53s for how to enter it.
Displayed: 3h51m01s
